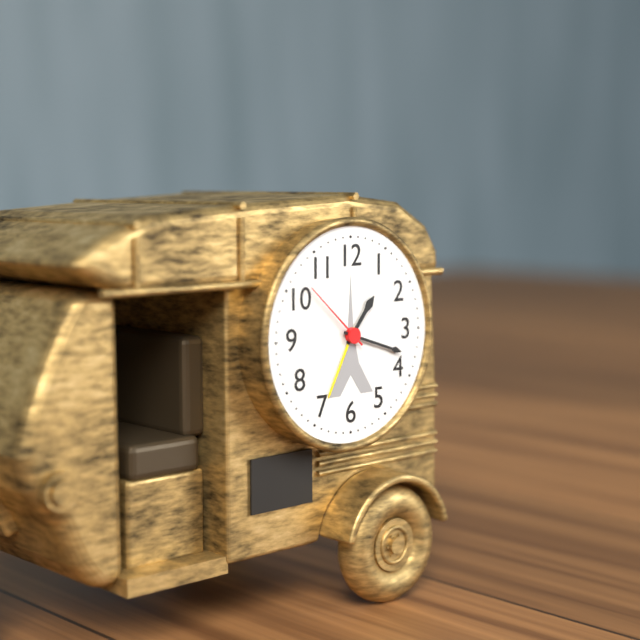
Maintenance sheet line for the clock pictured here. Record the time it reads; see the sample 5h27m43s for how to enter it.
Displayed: 1h18m52s
